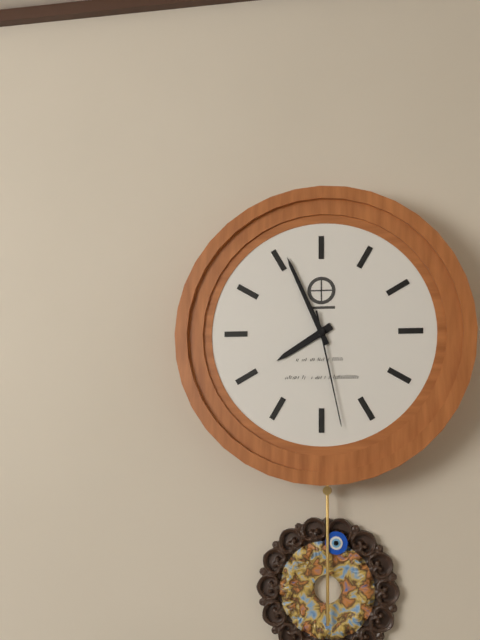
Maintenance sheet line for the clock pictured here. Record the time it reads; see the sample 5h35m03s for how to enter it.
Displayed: 7h56m28s
